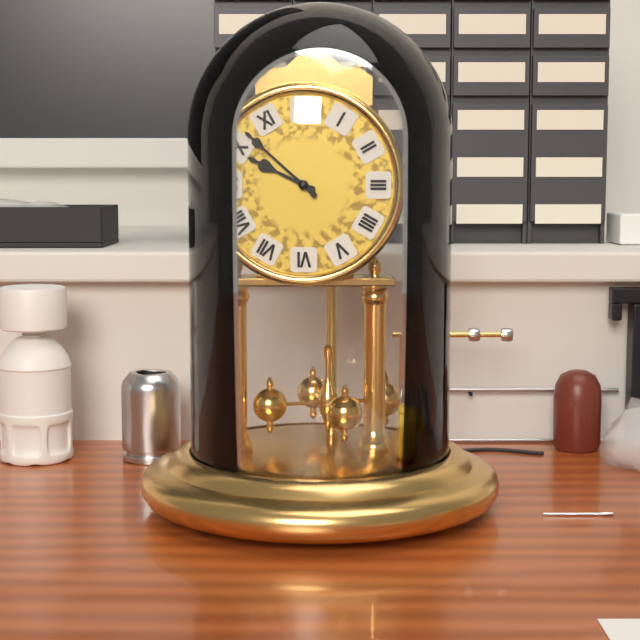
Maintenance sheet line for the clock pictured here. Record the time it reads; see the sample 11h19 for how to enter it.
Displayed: 9h52
